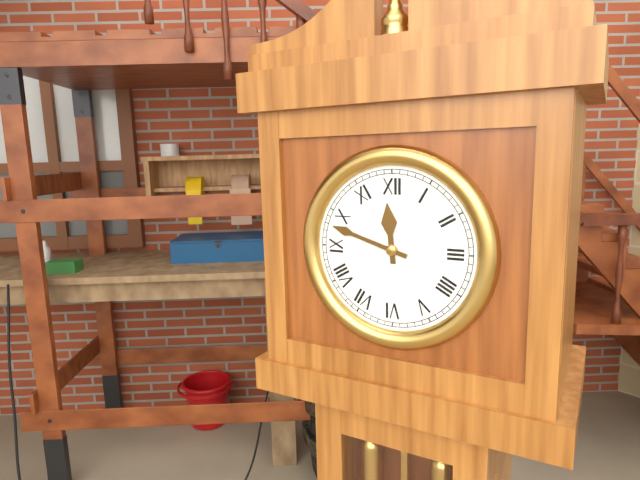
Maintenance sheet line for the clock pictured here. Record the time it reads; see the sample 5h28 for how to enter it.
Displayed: 11h48
